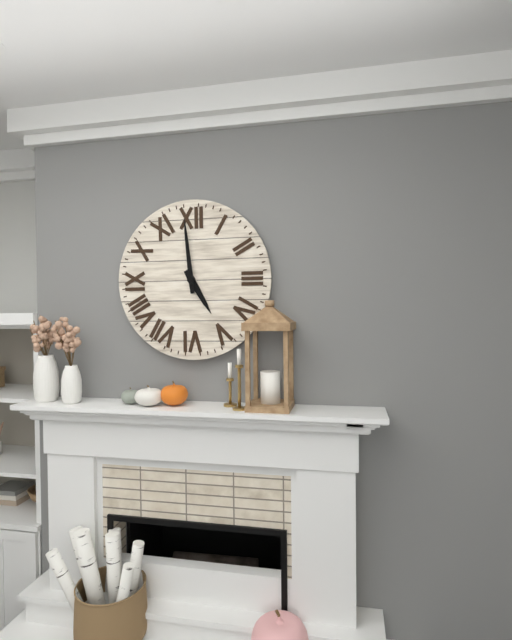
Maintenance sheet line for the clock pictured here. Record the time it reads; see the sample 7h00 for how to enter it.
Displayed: 4h59
